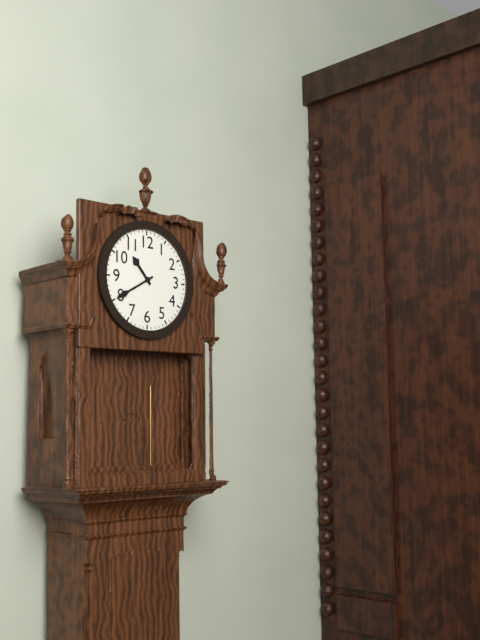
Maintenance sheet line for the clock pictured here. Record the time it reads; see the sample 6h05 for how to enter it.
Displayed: 10h40
